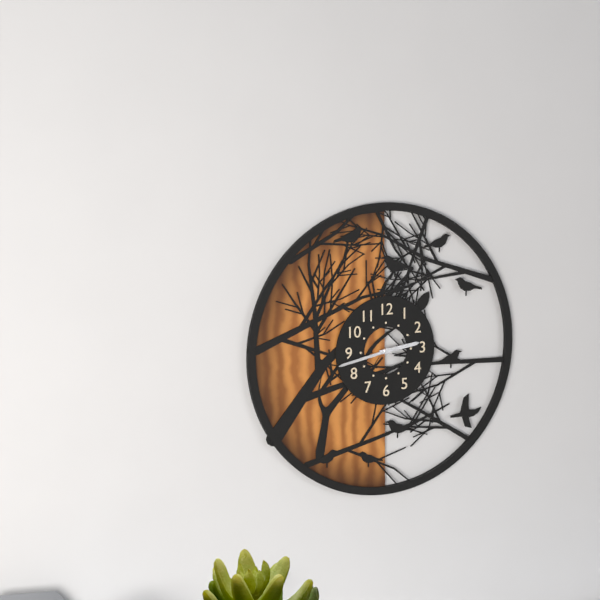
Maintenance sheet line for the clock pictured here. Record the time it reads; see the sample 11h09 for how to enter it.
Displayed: 2h43
